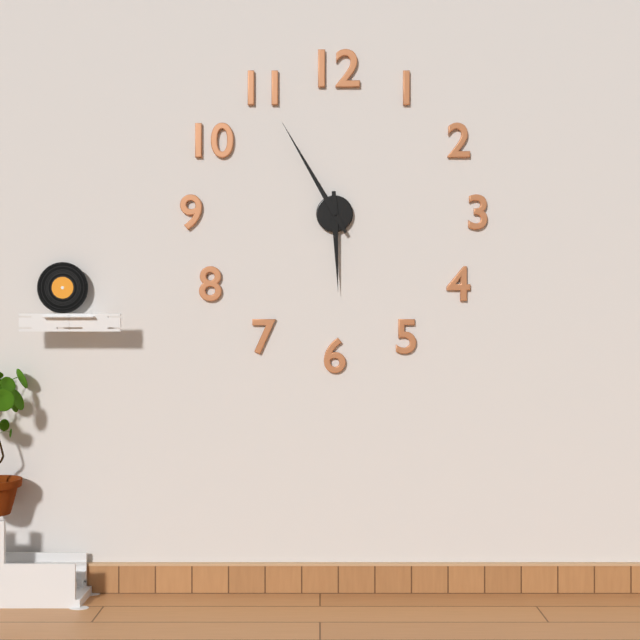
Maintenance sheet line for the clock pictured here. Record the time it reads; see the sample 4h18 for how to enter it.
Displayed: 5h55
